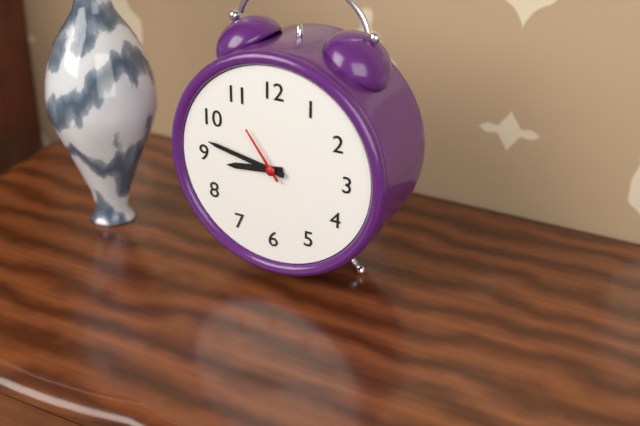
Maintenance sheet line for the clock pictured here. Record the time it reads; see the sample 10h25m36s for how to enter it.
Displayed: 8h47m54s
